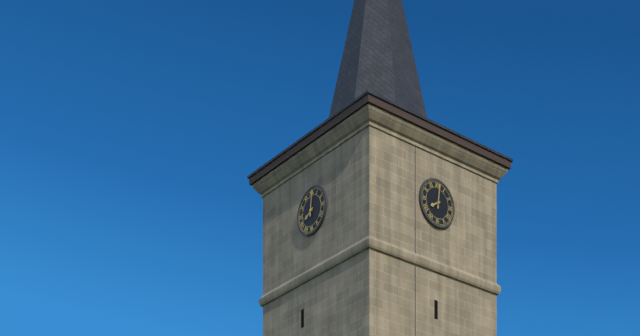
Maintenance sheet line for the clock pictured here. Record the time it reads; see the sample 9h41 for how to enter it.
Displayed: 8h01
